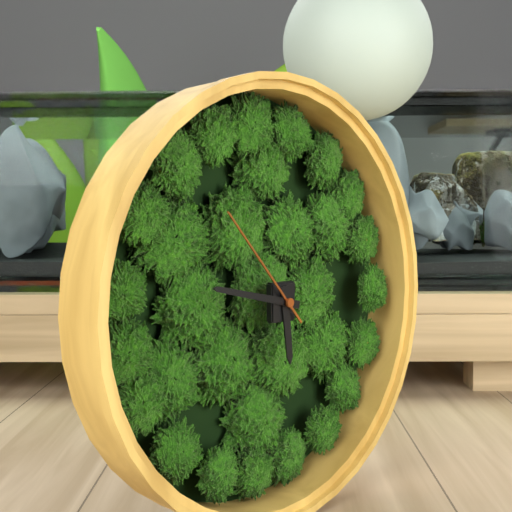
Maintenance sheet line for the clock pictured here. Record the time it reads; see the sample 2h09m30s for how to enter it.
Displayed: 5h47m53s
